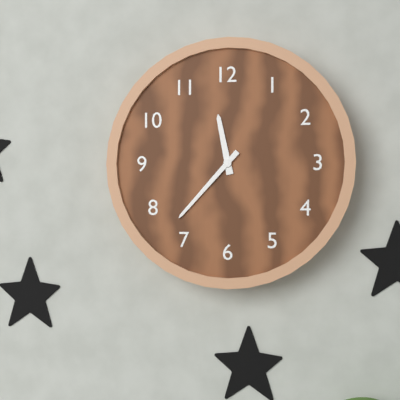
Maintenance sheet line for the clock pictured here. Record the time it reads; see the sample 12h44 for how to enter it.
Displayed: 11h37
